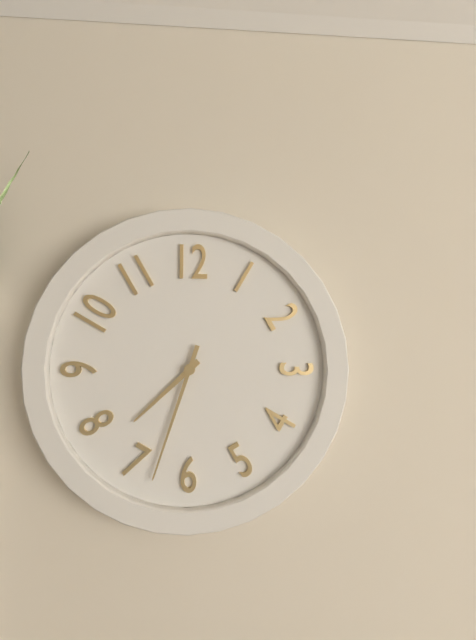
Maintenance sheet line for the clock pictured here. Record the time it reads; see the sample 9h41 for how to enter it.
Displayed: 7h33
